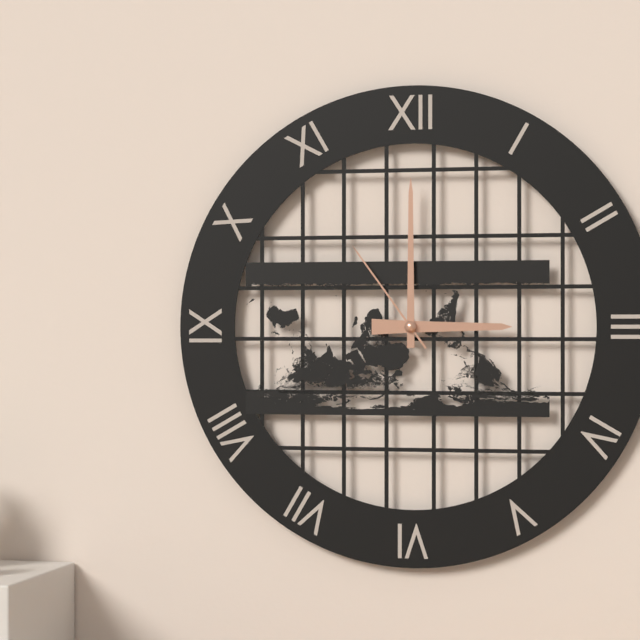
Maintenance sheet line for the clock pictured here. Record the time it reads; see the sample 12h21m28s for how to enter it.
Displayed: 3h00m54s
